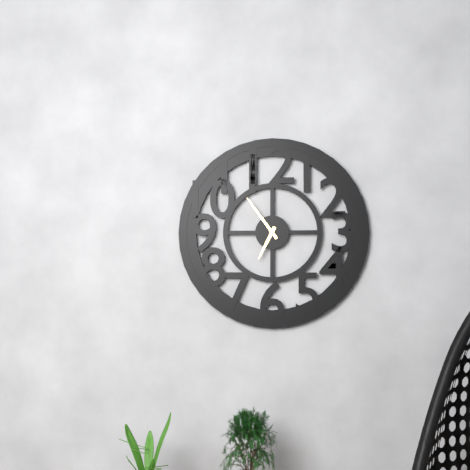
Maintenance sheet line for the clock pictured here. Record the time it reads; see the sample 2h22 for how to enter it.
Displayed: 6h54
